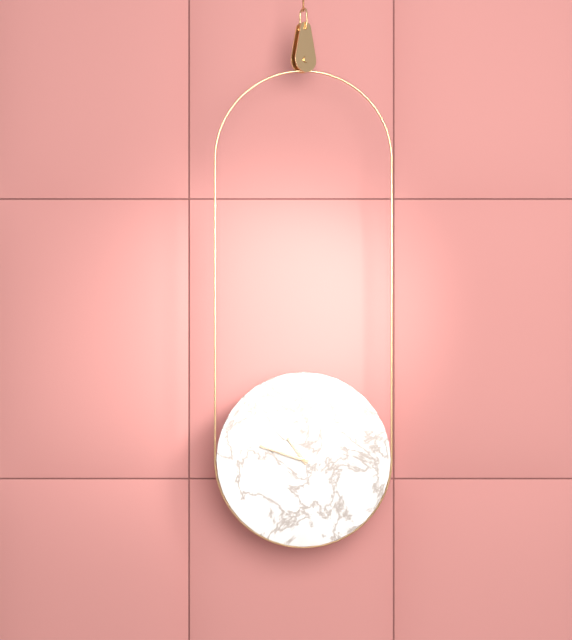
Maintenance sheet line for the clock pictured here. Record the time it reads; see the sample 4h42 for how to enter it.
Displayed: 10h48
